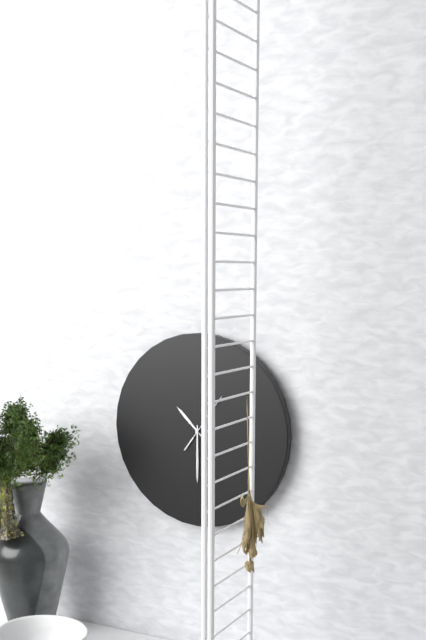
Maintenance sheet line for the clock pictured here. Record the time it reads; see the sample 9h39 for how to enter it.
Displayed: 10h30
